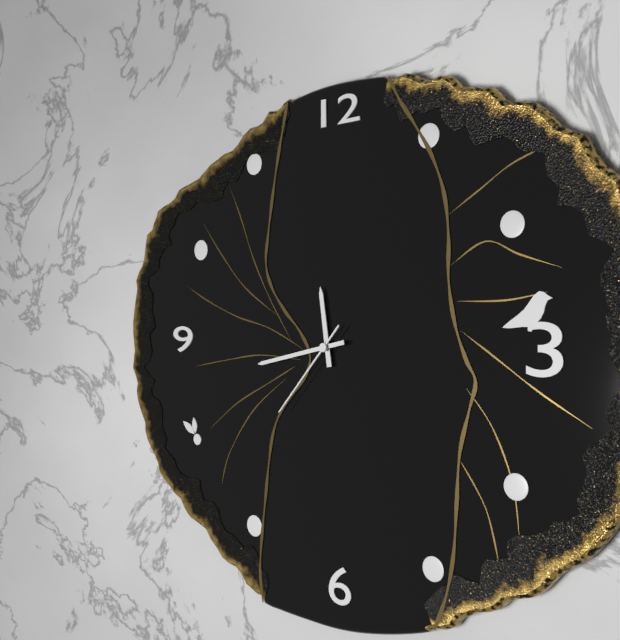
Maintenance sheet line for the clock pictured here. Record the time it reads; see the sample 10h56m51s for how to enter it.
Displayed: 11h43m37s
